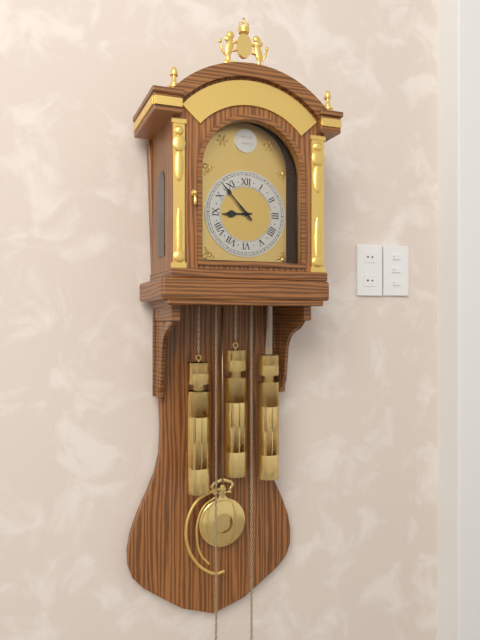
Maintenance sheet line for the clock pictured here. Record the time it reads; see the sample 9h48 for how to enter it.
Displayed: 8h53
